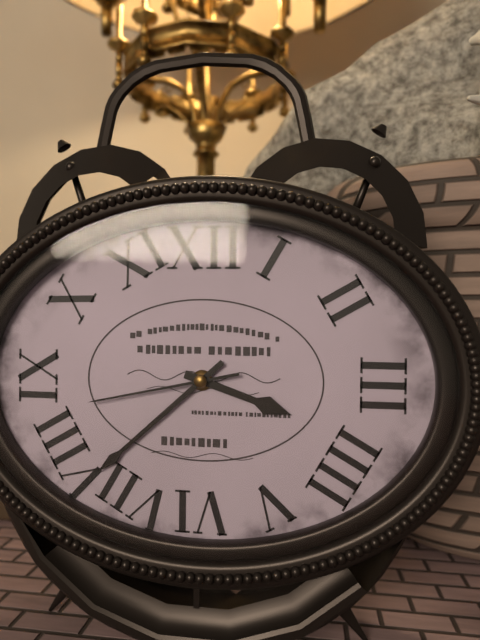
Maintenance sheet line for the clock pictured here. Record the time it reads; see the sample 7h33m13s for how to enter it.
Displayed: 3h38m43s
